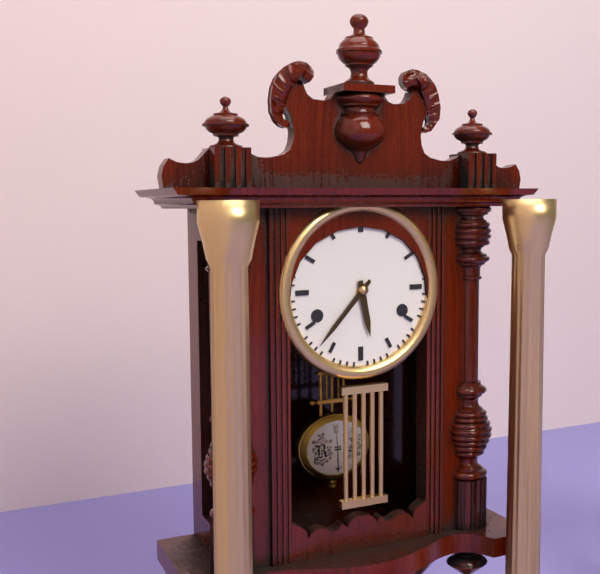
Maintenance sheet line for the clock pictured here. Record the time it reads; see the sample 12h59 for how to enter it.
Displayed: 5h37
